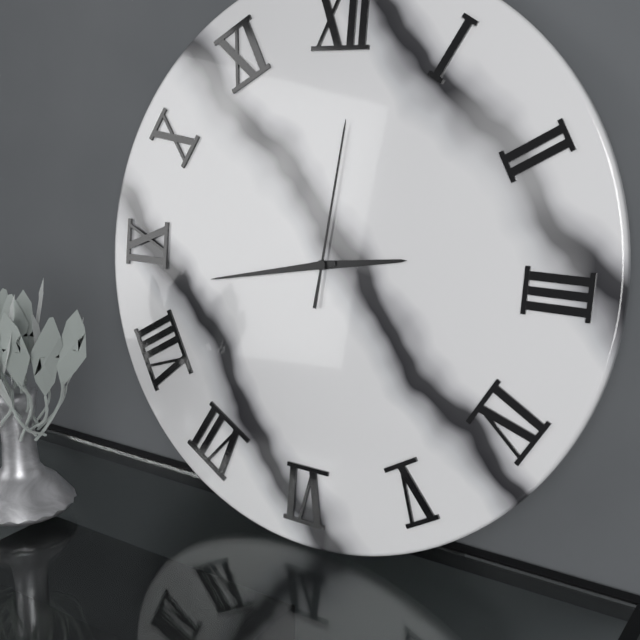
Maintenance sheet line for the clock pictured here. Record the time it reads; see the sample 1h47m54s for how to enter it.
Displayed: 2h43m01s
